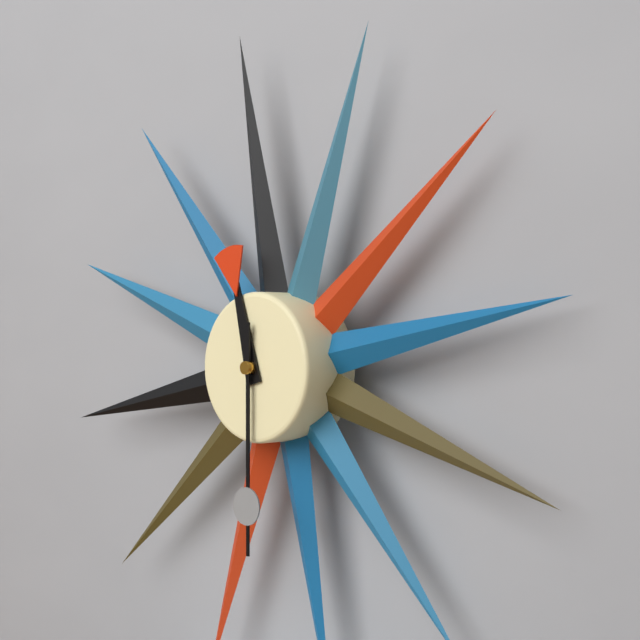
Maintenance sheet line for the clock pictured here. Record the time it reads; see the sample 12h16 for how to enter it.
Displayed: 11h30
